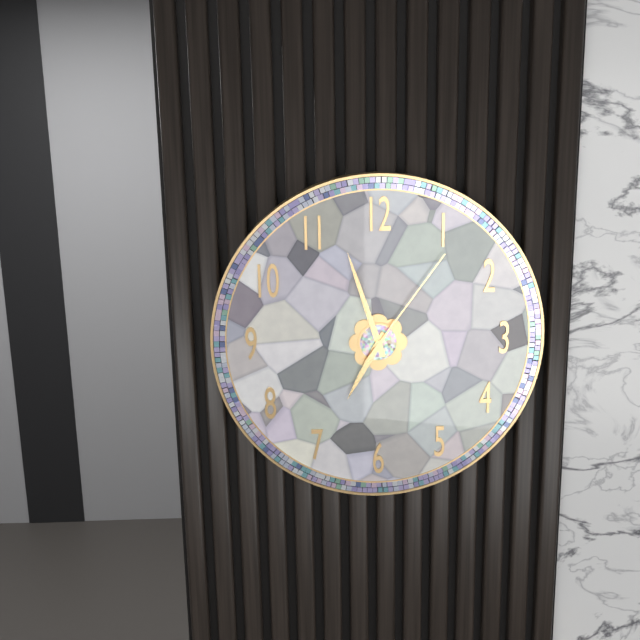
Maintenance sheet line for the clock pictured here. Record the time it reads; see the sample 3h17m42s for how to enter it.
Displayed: 6h57m06s
